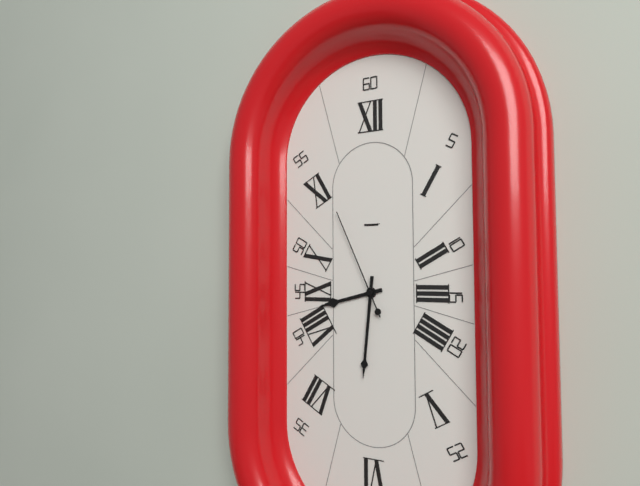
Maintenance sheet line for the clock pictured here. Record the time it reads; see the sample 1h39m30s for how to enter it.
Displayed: 8h31m56s
